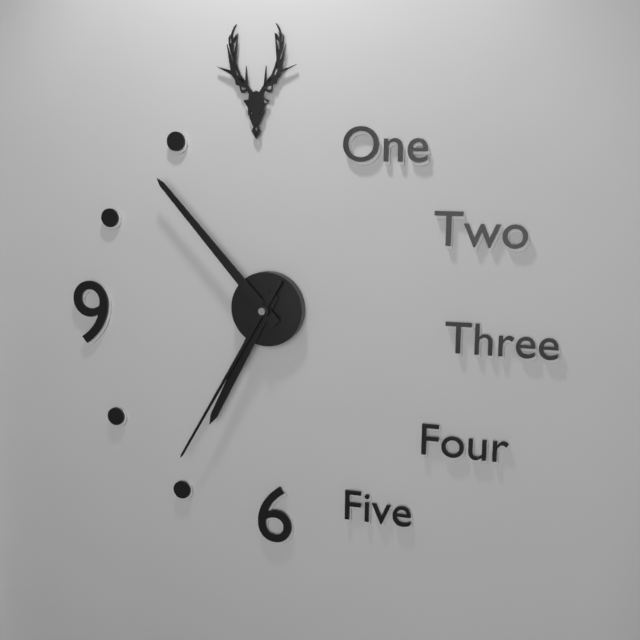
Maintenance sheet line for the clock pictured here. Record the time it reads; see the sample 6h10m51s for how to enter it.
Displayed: 6h53m35s
